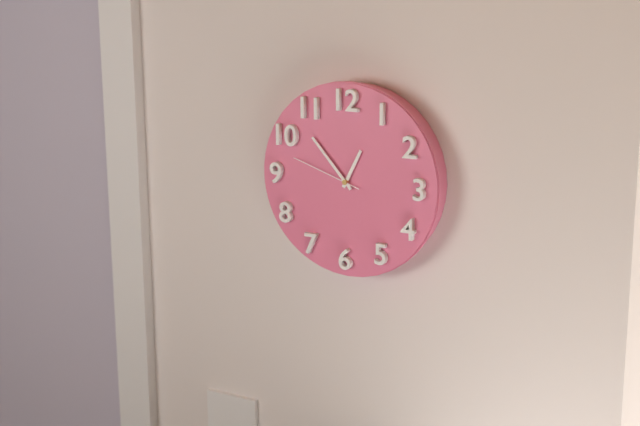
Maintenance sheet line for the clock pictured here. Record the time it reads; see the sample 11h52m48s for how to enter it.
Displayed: 12h53m48s
